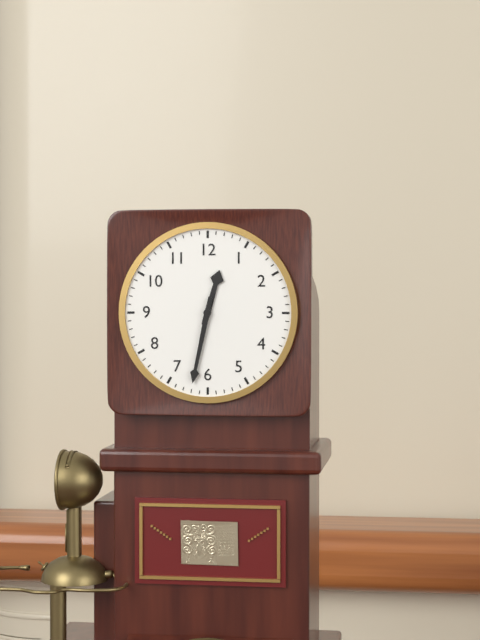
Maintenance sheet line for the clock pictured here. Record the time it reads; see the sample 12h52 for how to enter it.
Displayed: 12h32
